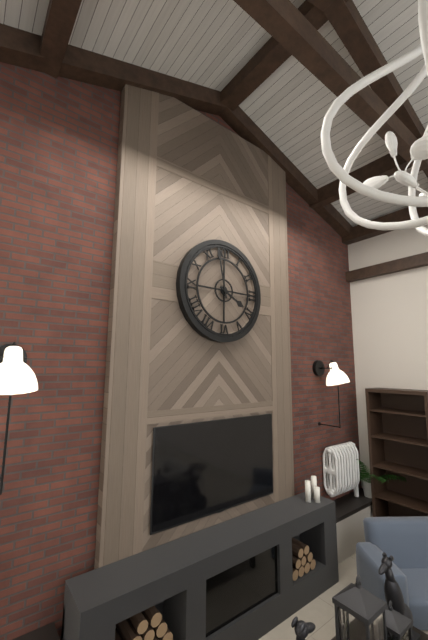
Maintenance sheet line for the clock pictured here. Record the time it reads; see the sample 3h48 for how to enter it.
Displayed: 3h58
